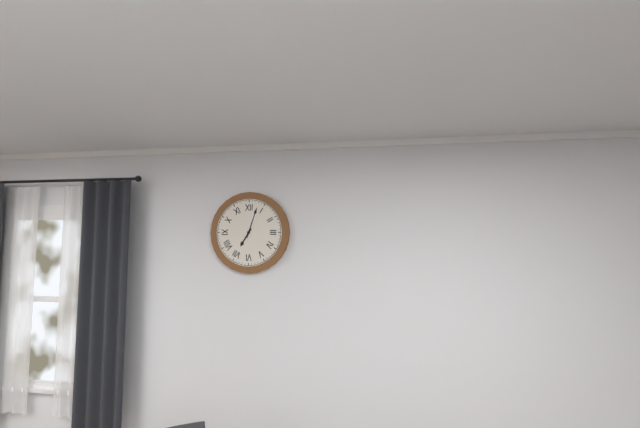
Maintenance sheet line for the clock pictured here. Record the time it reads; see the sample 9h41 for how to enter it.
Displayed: 7h03
